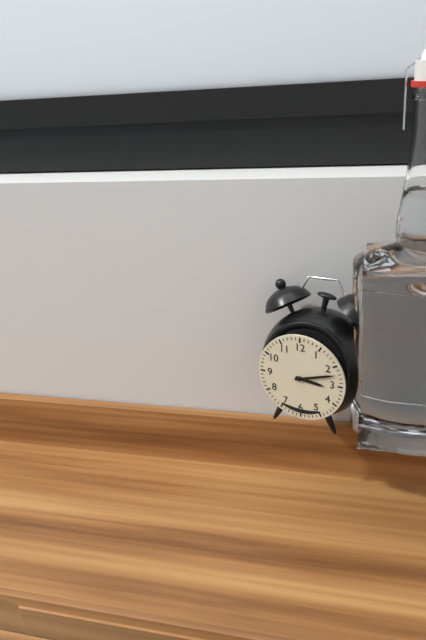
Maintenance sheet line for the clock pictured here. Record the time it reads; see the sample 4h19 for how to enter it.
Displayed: 3h12
